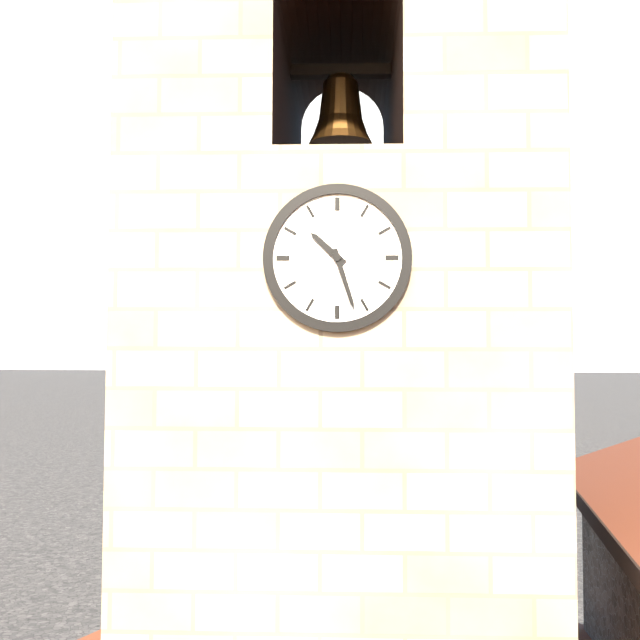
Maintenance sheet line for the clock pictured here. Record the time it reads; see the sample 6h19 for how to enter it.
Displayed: 10h27
